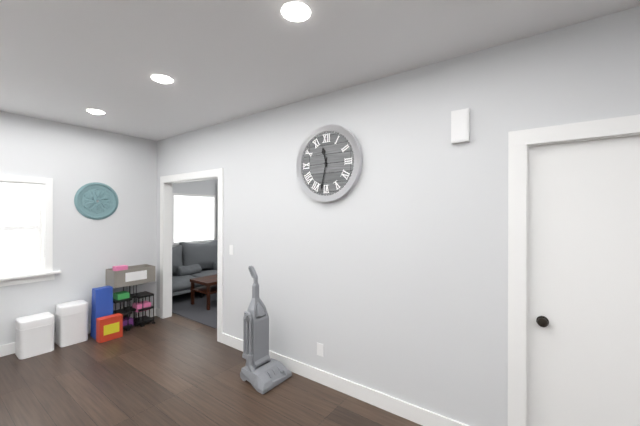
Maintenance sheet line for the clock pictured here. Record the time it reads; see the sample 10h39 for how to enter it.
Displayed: 11h32
